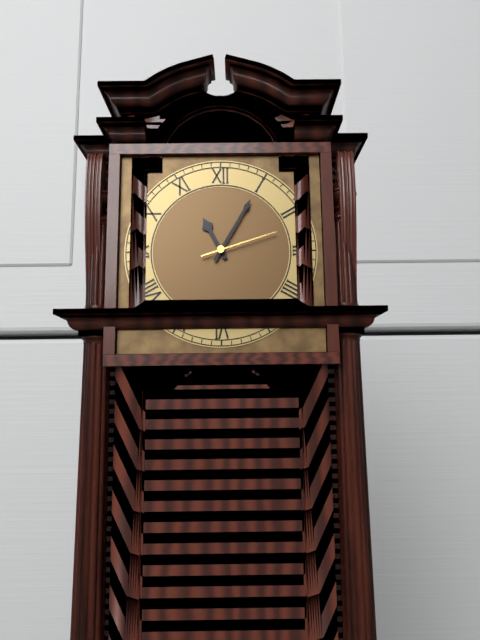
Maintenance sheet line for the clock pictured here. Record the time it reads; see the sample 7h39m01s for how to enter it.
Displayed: 11h05m12s
